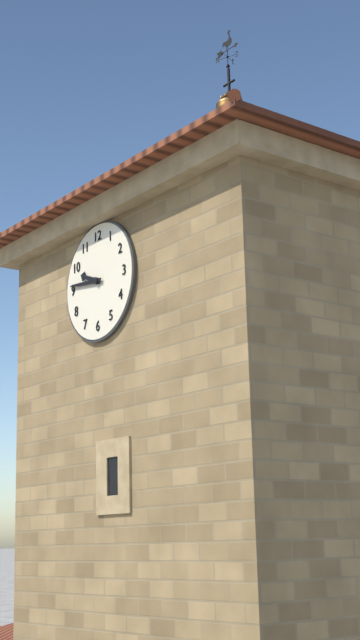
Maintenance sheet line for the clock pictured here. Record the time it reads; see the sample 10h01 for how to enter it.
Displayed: 9h46
